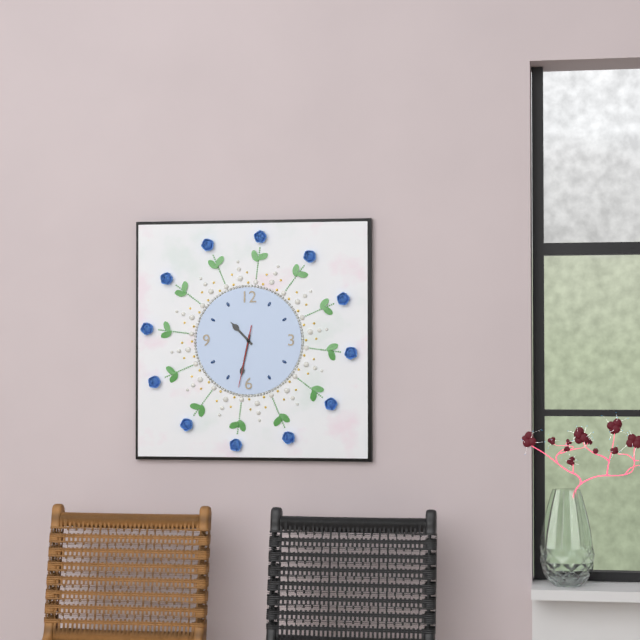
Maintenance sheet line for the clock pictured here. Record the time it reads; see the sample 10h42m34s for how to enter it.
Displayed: 10h32m32s
